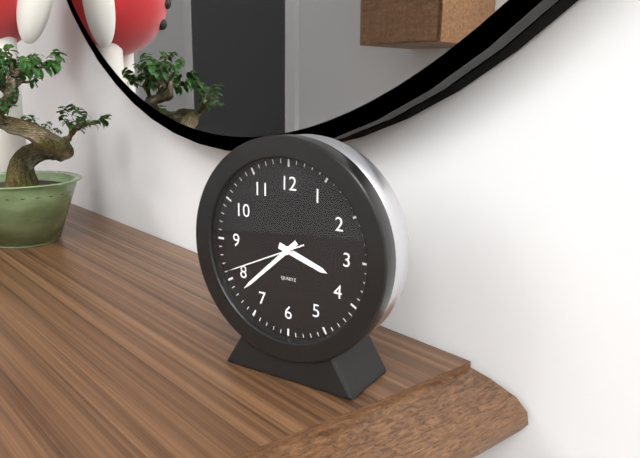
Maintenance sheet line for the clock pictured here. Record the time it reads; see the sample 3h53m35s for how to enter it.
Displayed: 3h38m41s
